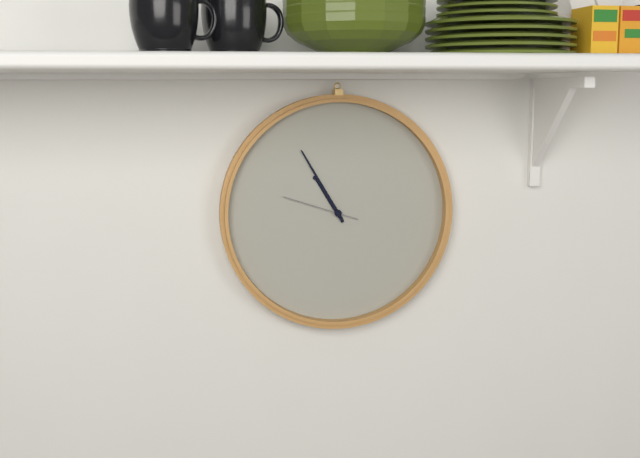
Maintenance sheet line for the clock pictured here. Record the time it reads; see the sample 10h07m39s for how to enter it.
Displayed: 10h55m48s
